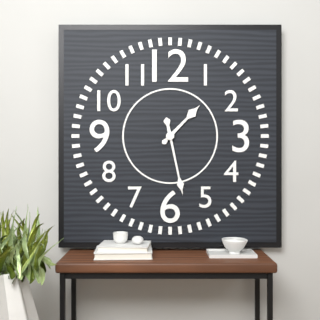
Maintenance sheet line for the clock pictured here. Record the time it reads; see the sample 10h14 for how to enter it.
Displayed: 1h28
